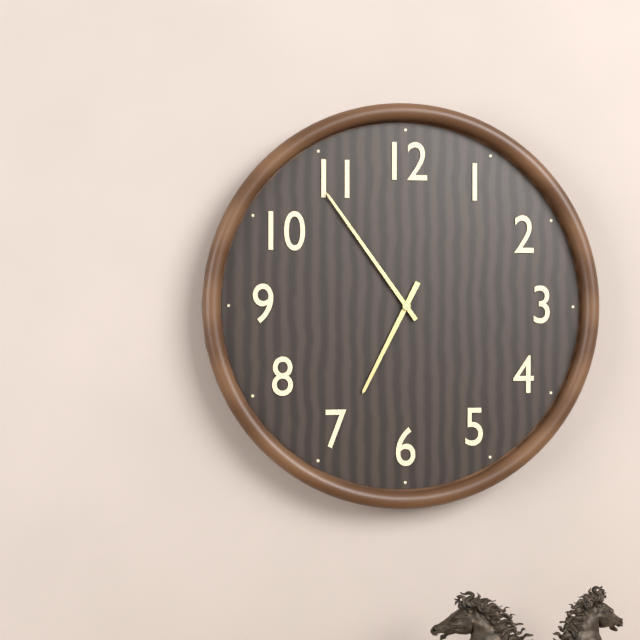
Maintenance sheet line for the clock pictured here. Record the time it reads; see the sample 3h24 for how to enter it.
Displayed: 6h54
